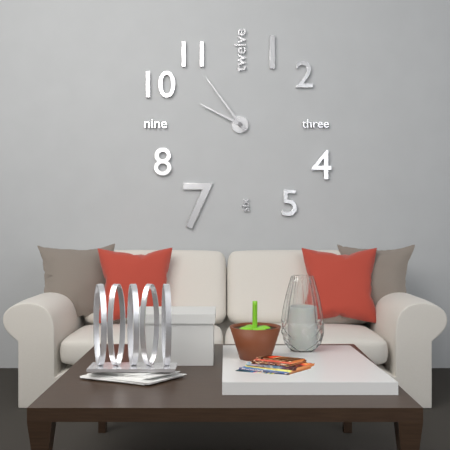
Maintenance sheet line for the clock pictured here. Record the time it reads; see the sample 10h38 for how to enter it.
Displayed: 9h54
